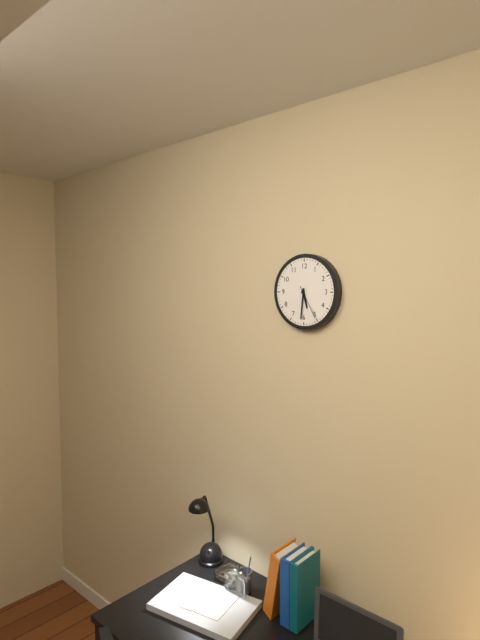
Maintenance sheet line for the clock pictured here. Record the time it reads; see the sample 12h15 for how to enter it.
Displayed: 5h31
